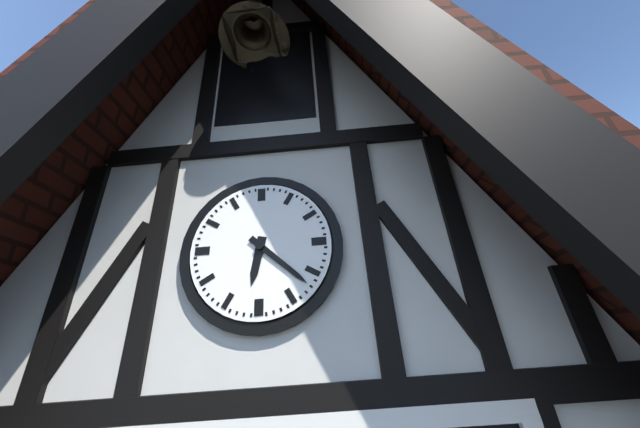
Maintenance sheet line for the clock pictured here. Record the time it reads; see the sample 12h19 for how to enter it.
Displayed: 6h22
